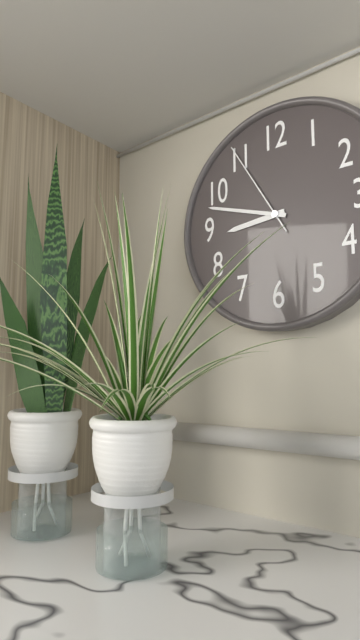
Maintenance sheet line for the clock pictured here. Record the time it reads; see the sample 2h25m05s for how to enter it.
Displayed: 8h48m55s
